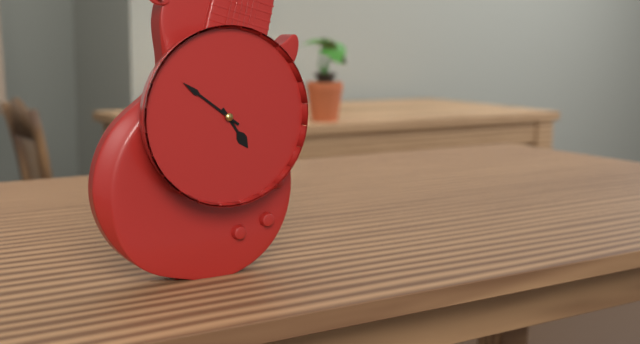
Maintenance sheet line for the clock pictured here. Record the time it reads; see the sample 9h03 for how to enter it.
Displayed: 4h51
